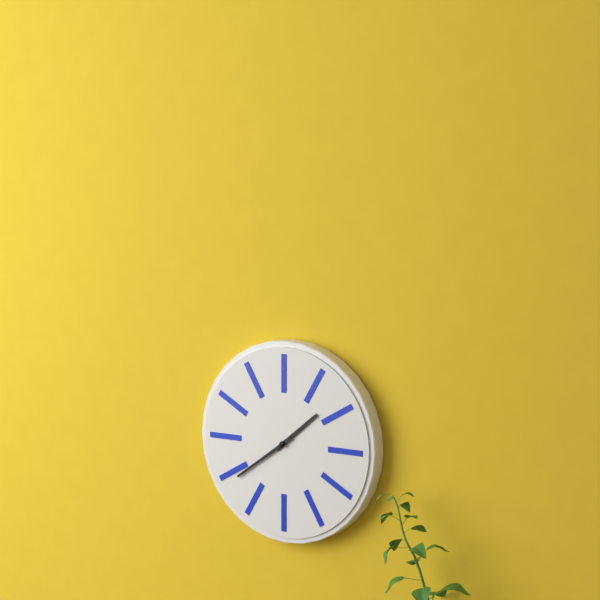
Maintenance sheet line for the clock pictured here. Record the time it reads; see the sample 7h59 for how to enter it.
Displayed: 1h39
